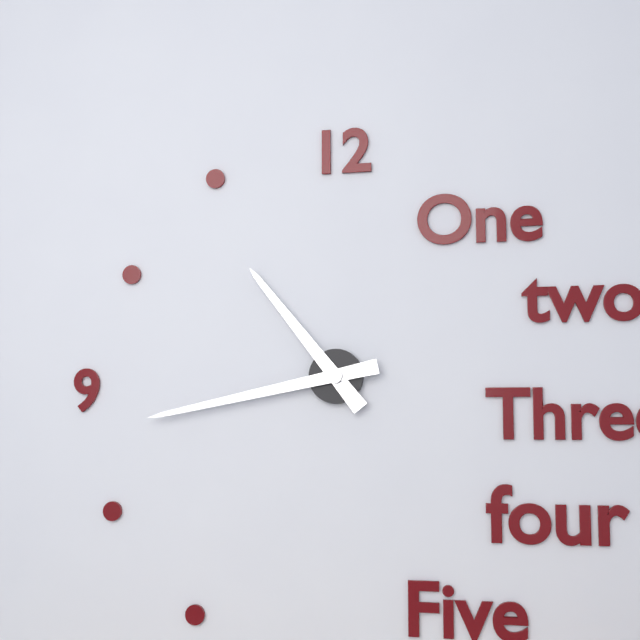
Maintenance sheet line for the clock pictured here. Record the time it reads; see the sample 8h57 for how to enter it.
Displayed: 10h43
